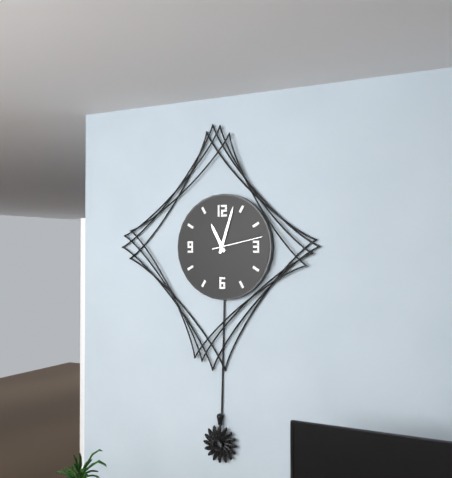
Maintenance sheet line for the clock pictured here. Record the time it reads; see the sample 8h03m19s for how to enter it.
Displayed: 11h03m13s
